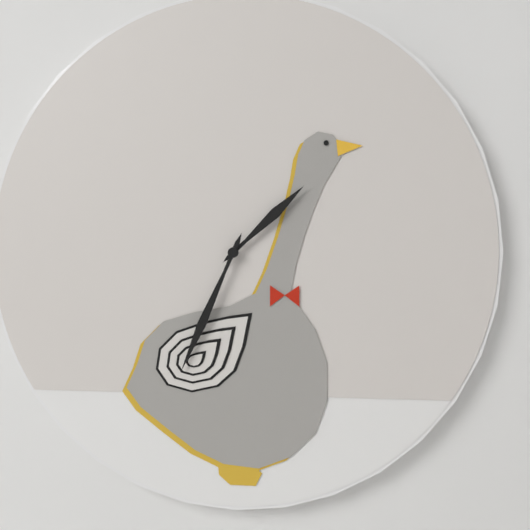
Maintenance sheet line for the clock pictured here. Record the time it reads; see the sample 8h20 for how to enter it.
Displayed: 1h34
